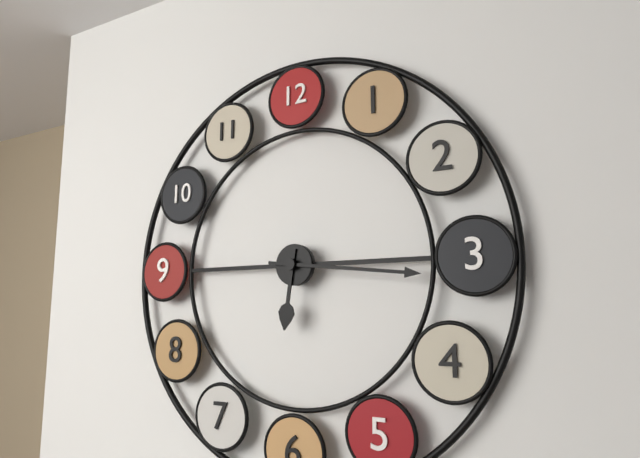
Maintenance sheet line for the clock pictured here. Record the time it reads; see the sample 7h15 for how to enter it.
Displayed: 6h16
